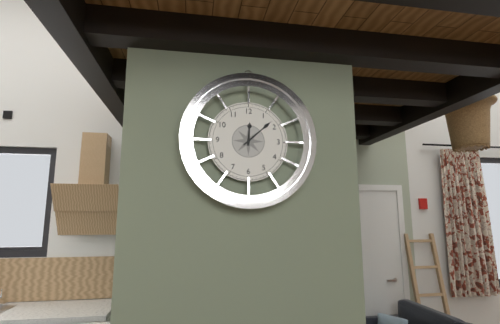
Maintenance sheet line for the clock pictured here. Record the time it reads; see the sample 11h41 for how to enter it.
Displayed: 12h08
